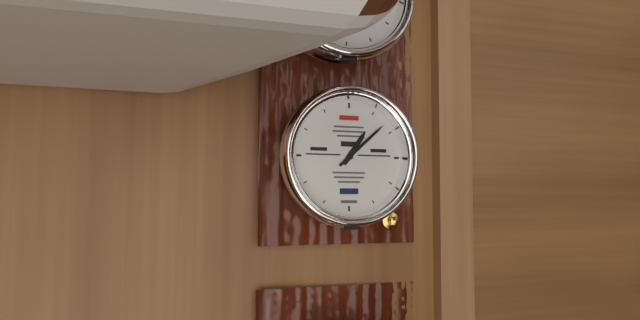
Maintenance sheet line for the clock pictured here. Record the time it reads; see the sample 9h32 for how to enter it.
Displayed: 1h08
